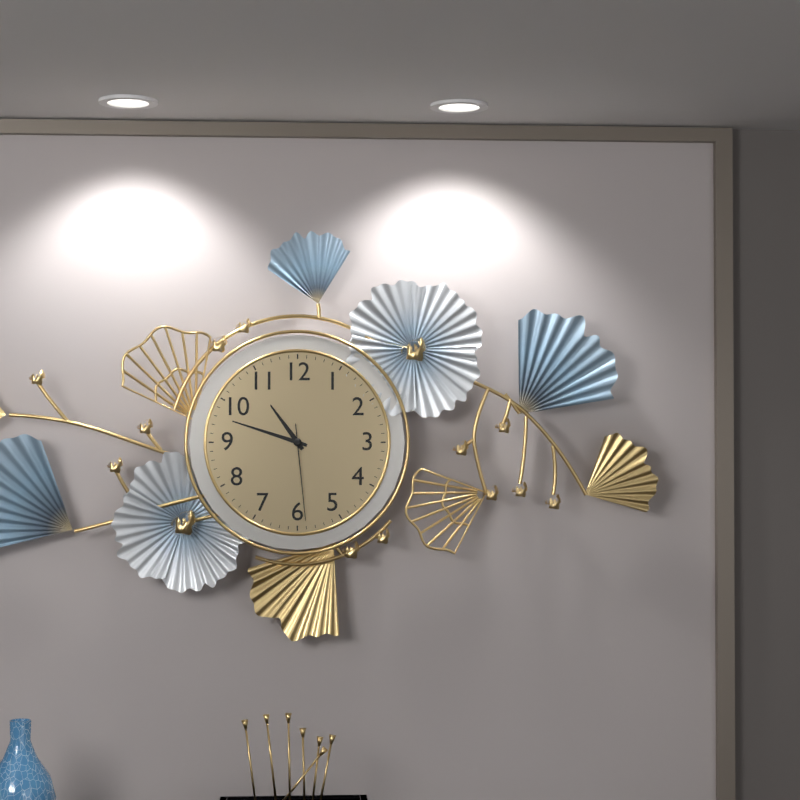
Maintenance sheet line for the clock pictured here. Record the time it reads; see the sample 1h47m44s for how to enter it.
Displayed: 10h48m29s
